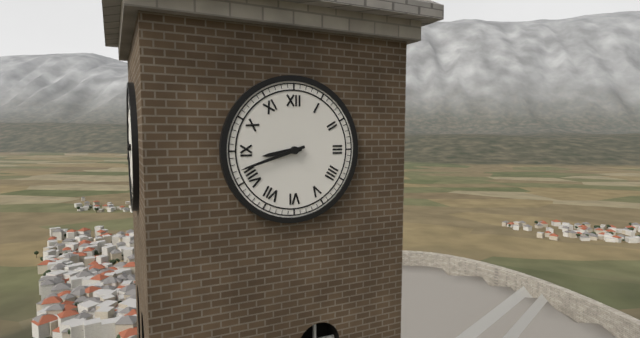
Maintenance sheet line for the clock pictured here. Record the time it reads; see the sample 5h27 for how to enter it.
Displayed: 8h42
